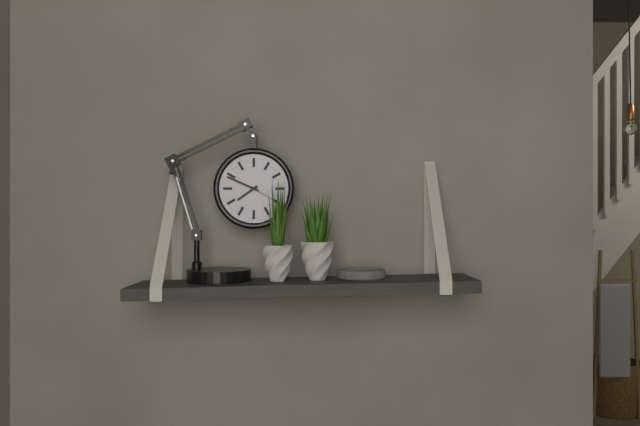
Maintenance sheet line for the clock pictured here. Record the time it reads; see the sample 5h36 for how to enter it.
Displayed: 7h49
